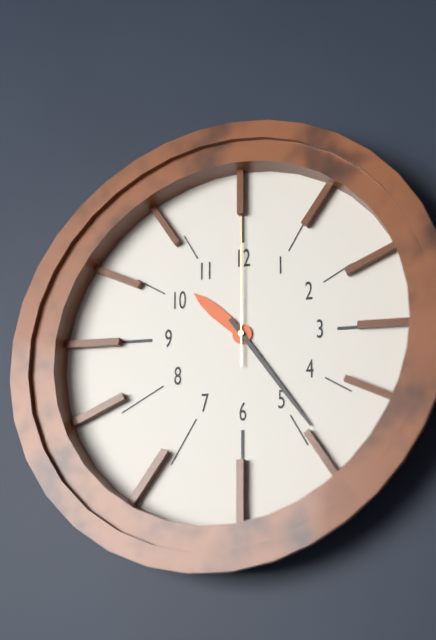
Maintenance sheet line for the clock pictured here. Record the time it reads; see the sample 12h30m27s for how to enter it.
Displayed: 10h24m00s
